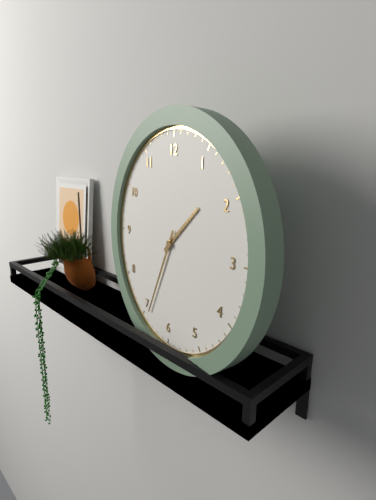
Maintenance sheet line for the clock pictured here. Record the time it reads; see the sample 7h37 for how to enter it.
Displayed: 1h34
